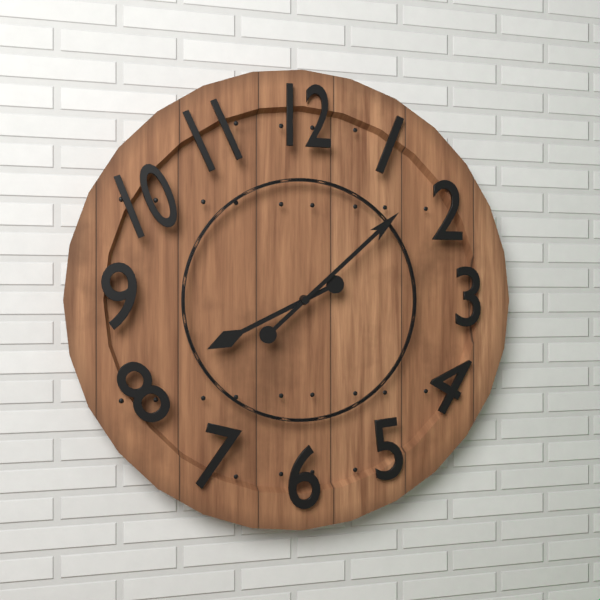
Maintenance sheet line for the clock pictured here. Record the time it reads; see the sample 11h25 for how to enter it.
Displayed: 8h08
